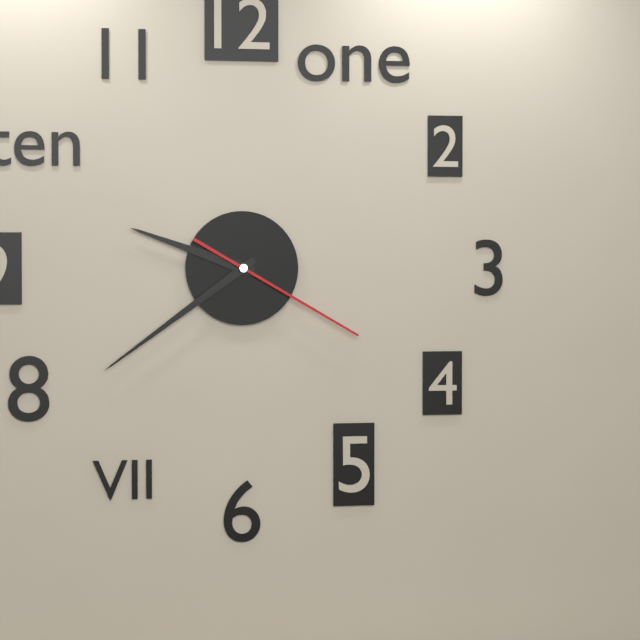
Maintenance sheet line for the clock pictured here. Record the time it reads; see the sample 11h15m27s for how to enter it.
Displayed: 9h39m20s
